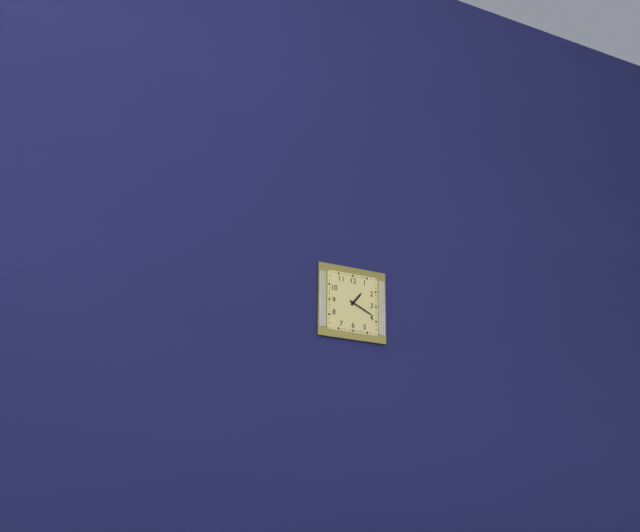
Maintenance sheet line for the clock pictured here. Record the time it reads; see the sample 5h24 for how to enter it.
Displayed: 1h19
